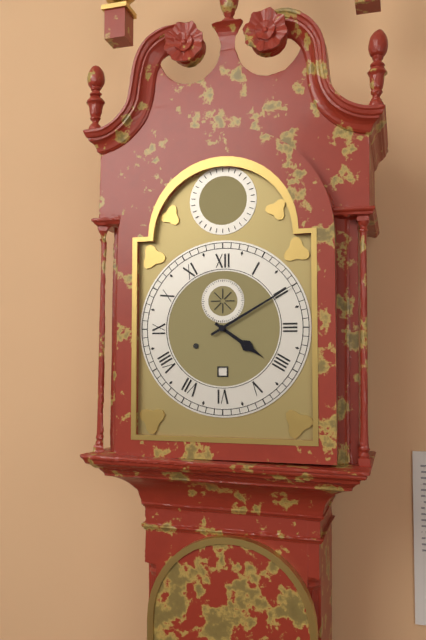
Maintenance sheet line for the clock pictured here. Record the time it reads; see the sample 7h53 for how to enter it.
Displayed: 4h10
